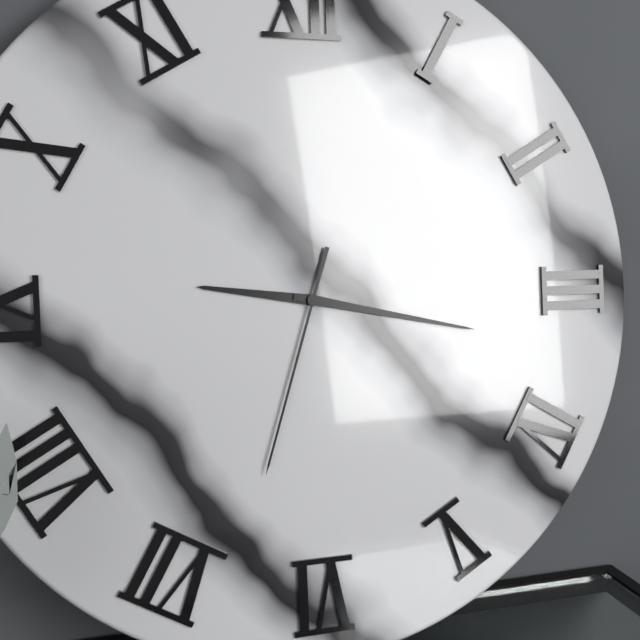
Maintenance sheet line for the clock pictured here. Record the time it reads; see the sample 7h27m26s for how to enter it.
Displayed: 9h17m33s
